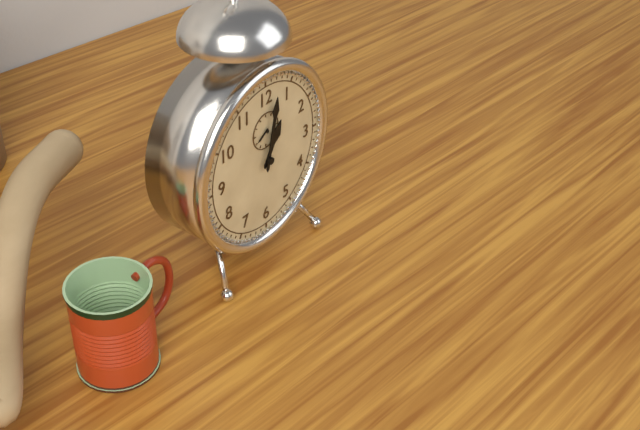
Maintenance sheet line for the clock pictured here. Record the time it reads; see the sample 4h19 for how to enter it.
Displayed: 1h02
